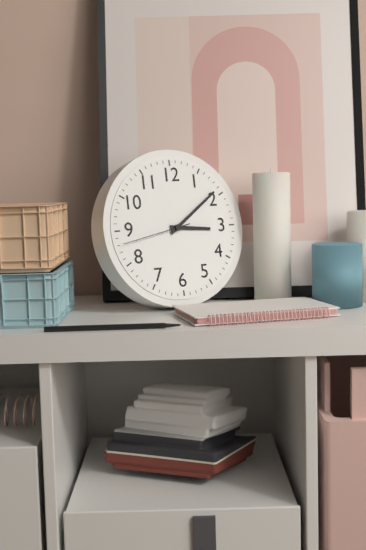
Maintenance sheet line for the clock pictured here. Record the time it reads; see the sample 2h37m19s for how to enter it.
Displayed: 3h09m43s
